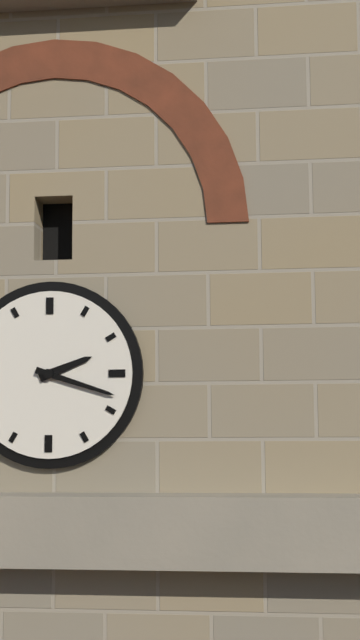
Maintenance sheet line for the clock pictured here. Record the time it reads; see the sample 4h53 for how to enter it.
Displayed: 2h18
